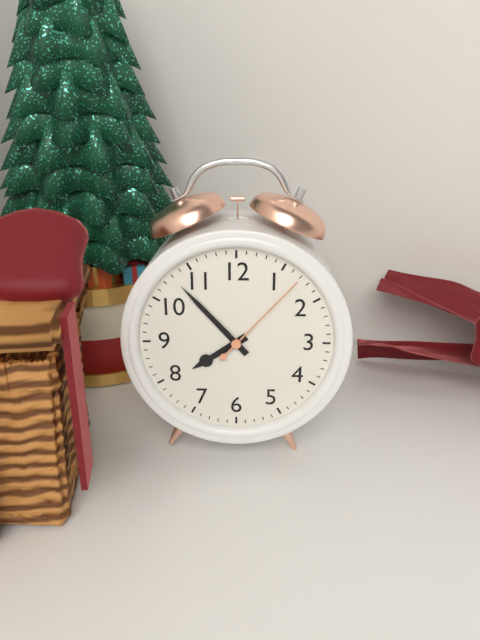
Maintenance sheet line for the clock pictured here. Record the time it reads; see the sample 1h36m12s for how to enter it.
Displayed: 7h53m07s
